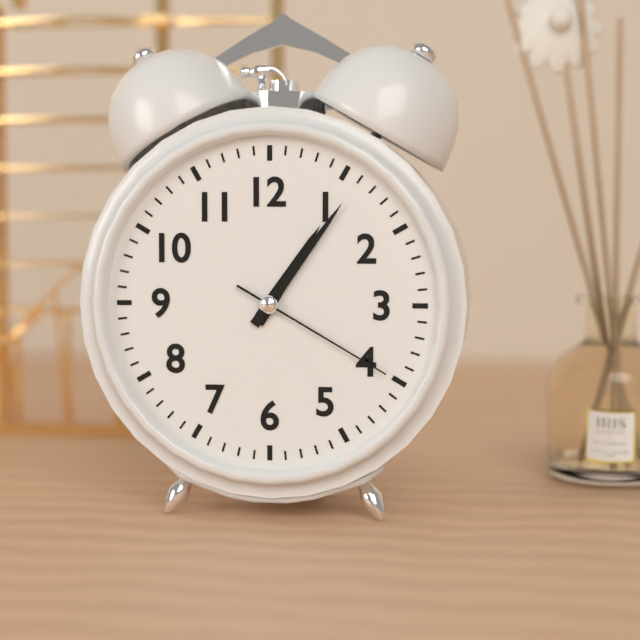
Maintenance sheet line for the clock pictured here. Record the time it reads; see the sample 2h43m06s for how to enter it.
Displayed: 1h06m20s
